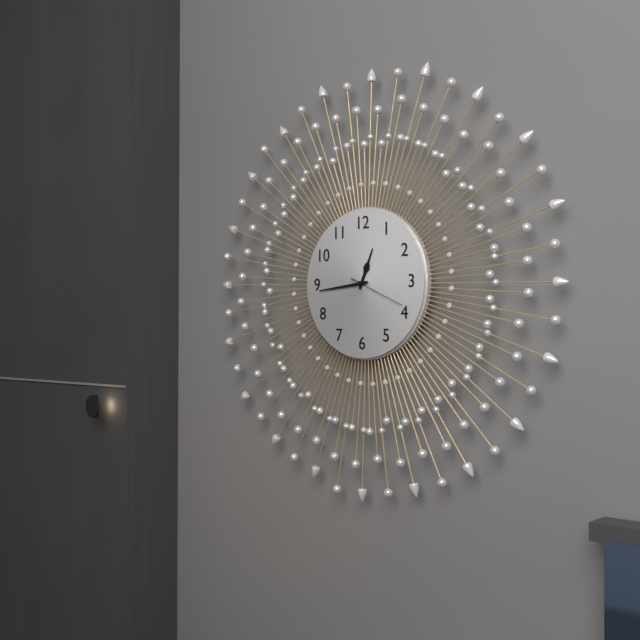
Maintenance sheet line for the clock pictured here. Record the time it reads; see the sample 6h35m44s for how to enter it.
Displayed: 12h44m19s
